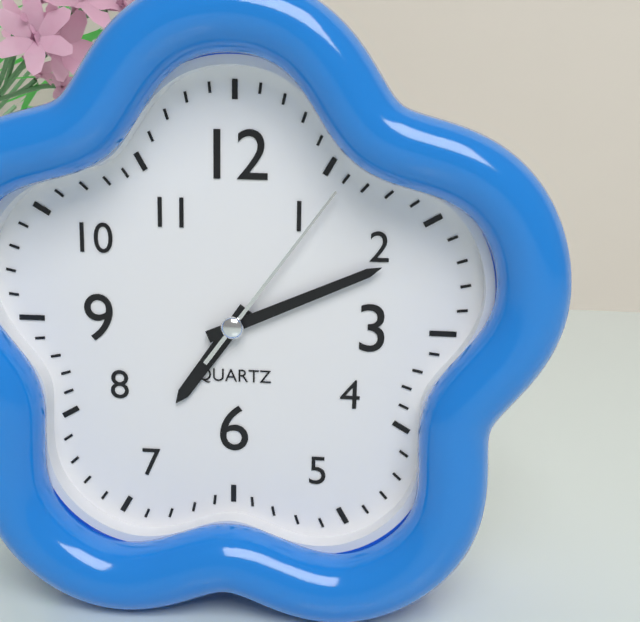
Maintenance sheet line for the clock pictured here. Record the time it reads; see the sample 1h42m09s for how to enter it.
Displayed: 7h11m06s
